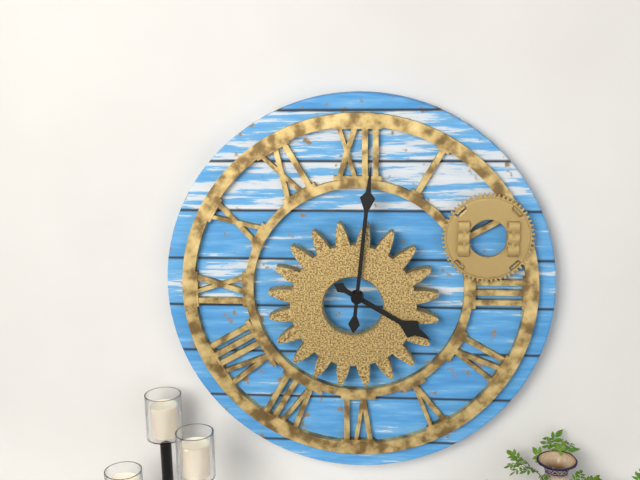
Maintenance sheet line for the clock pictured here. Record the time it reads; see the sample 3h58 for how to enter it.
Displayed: 4h01
